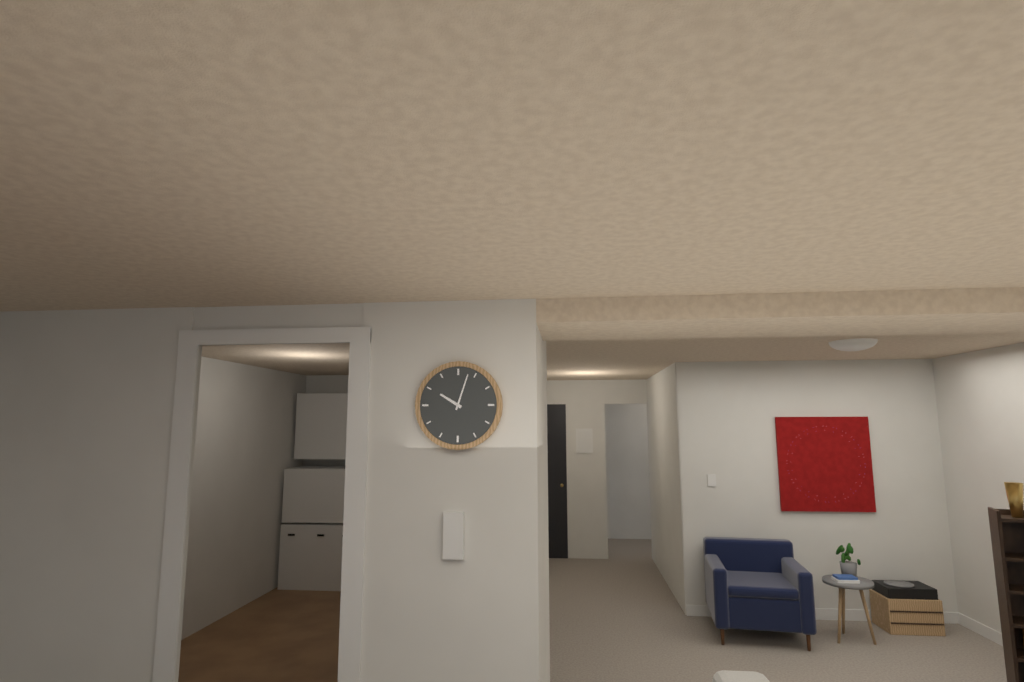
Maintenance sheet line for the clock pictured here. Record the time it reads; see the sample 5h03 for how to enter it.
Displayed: 10h03
